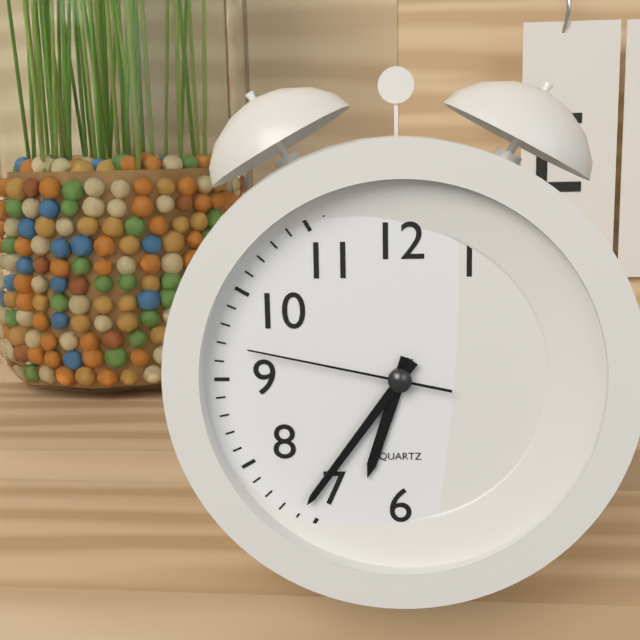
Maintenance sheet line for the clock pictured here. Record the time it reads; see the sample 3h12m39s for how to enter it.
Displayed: 6h36m47s
